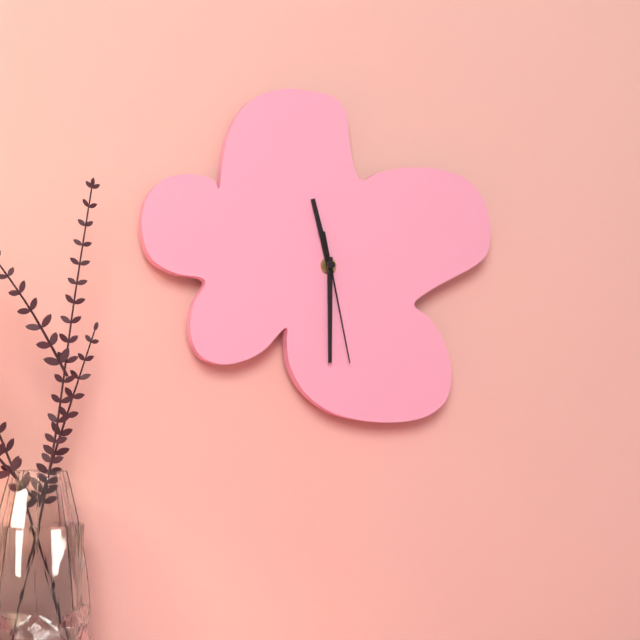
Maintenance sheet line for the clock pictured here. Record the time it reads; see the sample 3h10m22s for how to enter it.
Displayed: 11h30m28s
